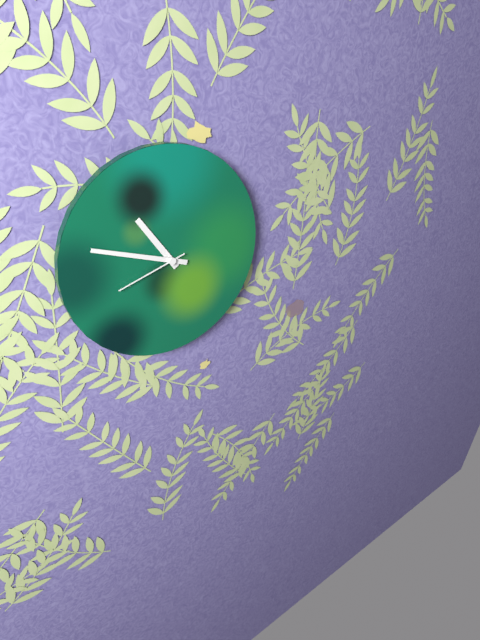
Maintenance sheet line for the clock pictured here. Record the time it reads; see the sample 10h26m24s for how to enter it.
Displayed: 10h48m42s
